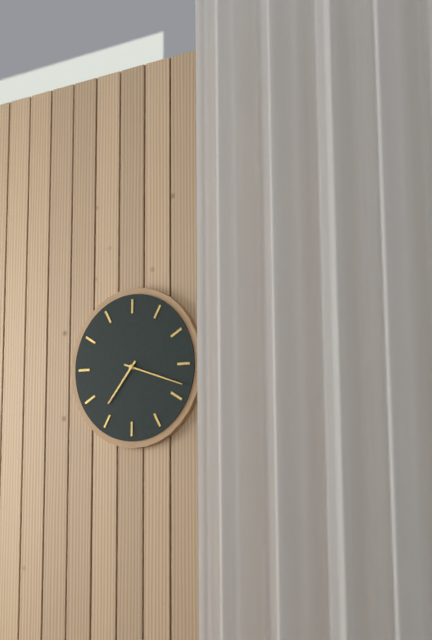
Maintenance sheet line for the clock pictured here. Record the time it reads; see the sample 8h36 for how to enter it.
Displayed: 7h18
